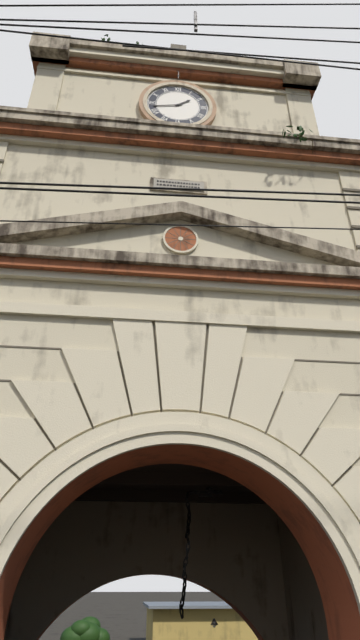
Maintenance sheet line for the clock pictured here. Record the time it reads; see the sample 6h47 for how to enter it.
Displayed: 1h43
